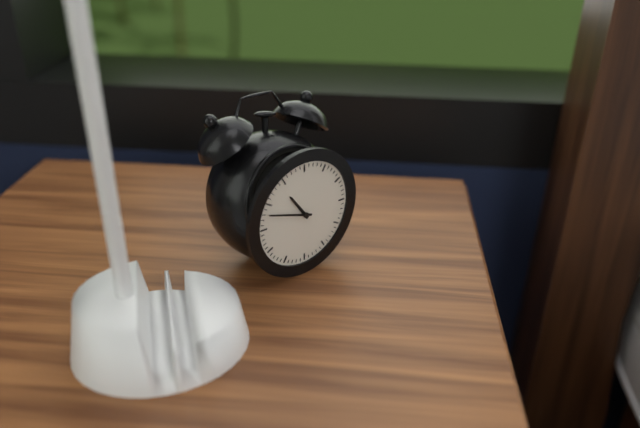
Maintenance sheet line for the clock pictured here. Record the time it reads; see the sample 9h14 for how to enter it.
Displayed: 10h48
